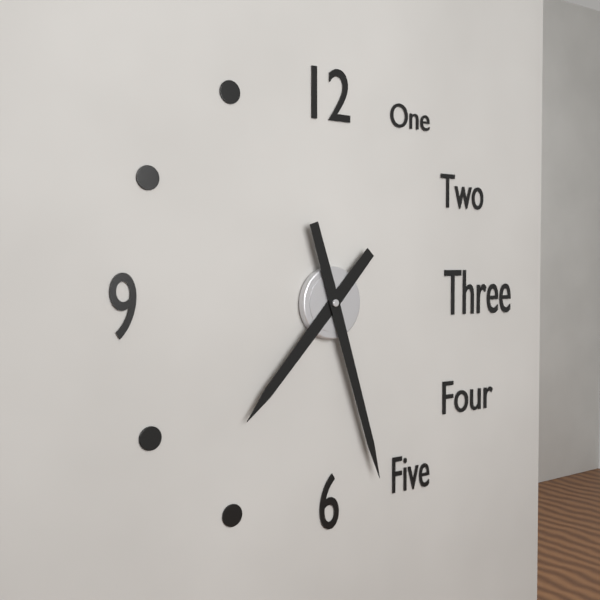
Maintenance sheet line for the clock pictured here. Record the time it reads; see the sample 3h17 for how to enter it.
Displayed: 7h27
